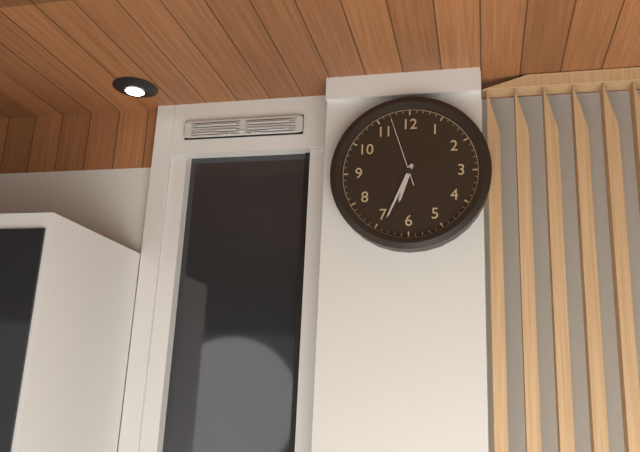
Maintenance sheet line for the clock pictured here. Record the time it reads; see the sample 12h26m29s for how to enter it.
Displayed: 6h34m57s
